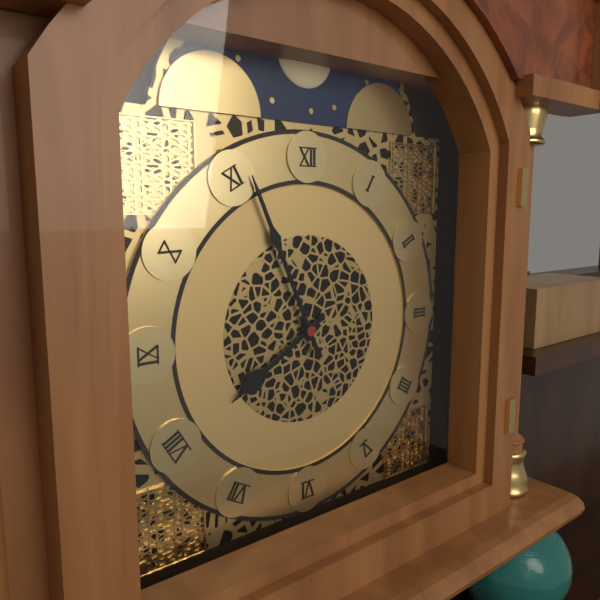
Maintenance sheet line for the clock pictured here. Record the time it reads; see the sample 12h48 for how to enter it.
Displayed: 7h56
